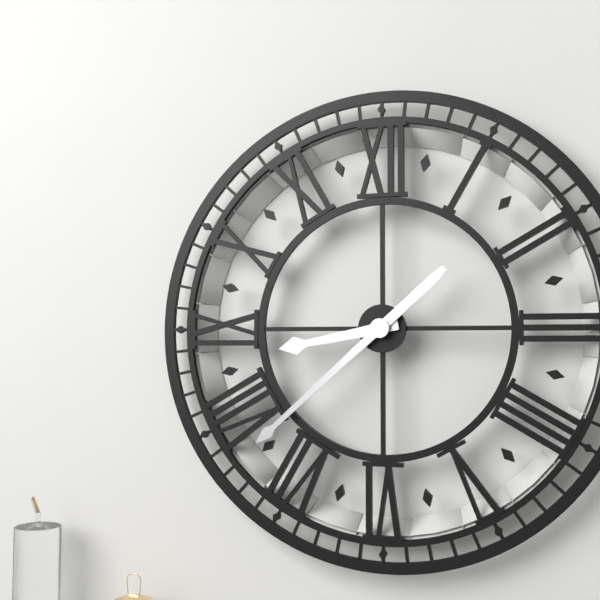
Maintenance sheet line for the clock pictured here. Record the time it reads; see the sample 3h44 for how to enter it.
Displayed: 8h38
